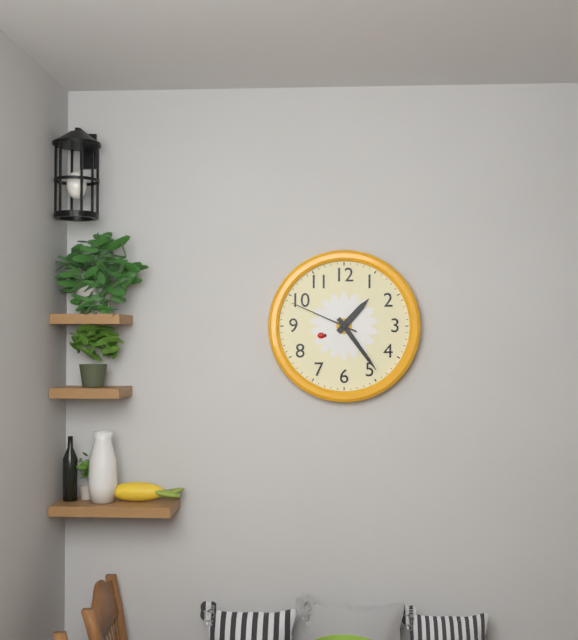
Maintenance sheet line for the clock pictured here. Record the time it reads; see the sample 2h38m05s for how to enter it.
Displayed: 1h24m49s
